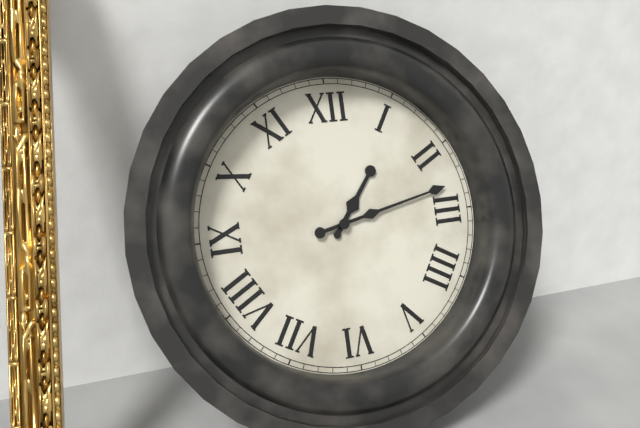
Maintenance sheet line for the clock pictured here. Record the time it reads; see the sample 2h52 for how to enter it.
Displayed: 1h13
